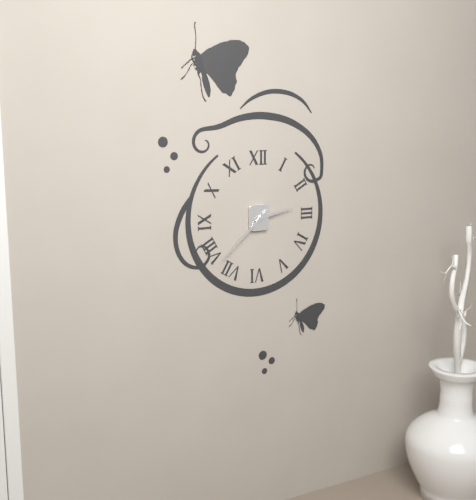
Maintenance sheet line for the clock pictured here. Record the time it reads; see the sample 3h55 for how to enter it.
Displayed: 2h38
